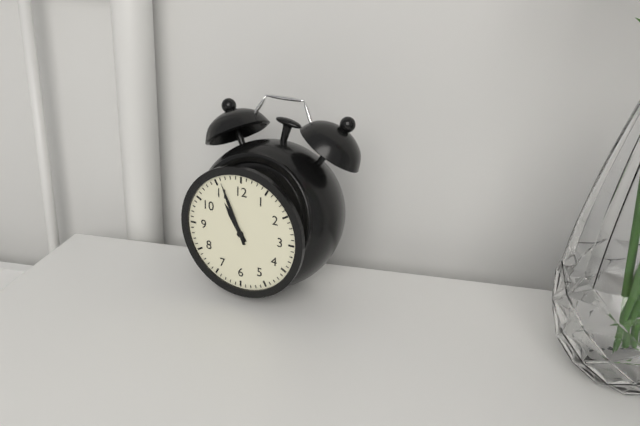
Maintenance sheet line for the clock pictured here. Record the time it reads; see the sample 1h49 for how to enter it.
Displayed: 10h56
